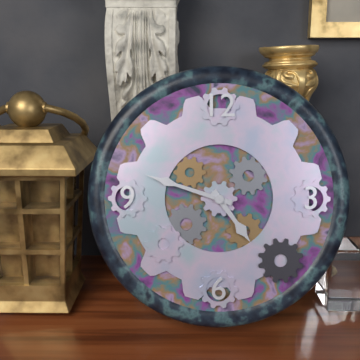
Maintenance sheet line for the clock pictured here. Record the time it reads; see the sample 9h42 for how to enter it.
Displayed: 4h48
